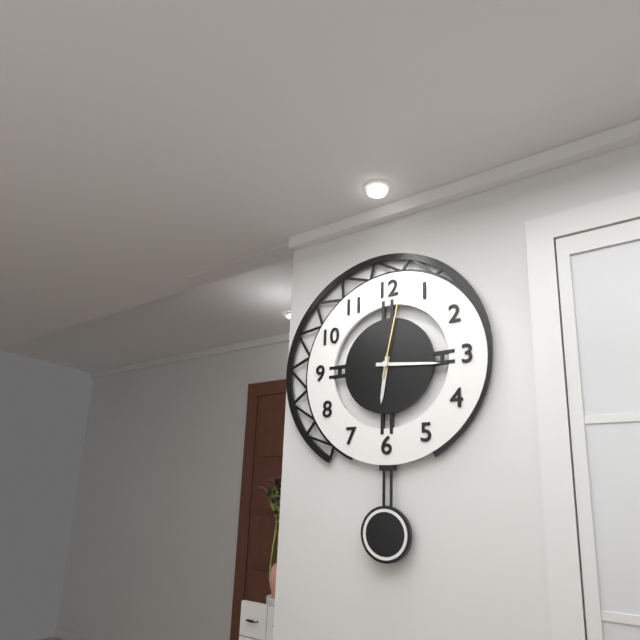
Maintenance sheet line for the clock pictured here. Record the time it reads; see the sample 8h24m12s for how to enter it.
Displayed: 6h16m02s
